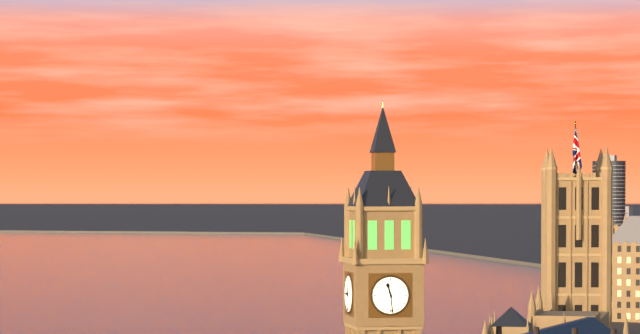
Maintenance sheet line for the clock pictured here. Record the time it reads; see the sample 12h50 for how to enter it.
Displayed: 11h29
